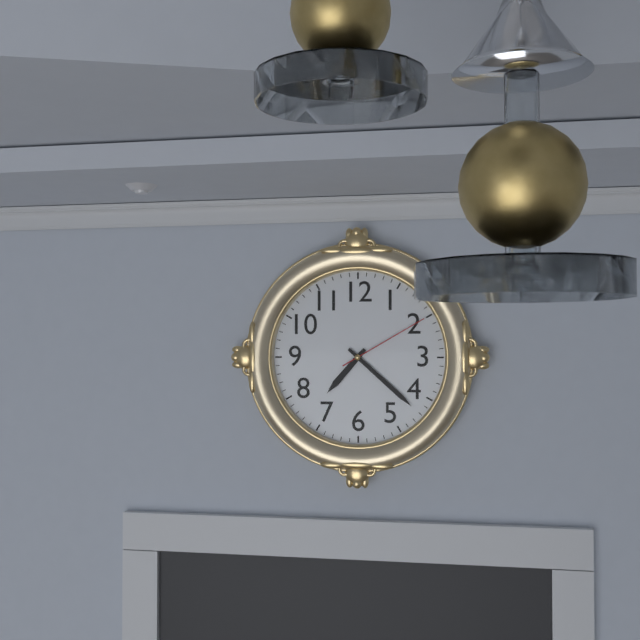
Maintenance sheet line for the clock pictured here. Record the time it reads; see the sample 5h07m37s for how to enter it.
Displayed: 7h22m10s
